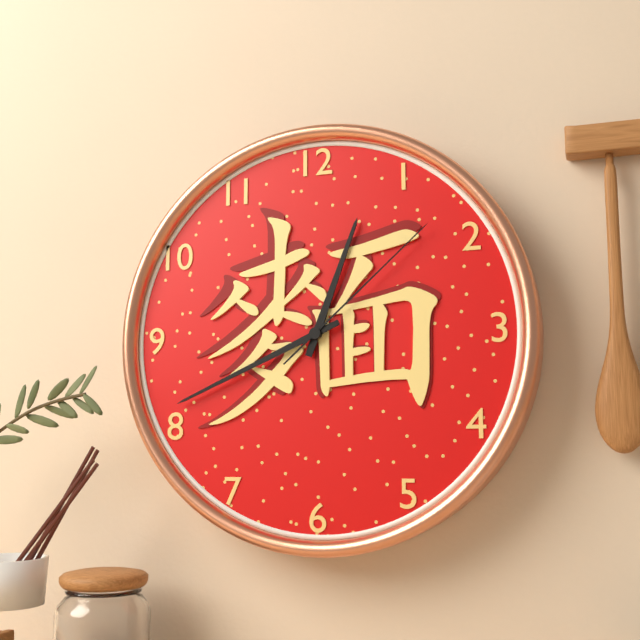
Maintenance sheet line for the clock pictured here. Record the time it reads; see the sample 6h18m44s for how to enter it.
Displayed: 12h41m08s
